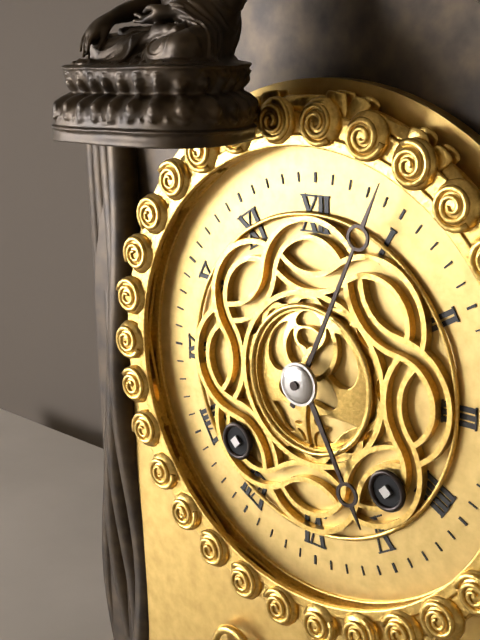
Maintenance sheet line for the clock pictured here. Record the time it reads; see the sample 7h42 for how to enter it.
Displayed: 5h04
